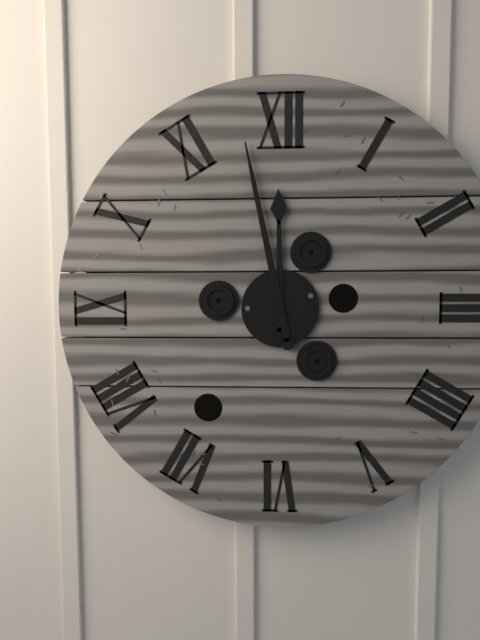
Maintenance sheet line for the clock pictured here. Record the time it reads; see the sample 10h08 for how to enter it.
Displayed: 11h58
